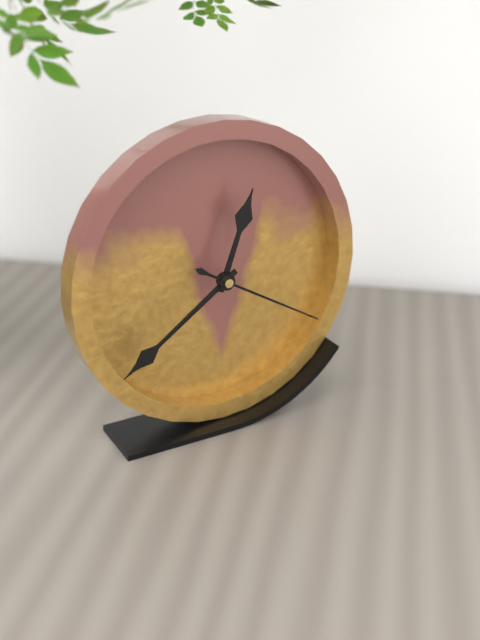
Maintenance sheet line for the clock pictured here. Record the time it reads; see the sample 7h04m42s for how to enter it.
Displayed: 12h39m20s
